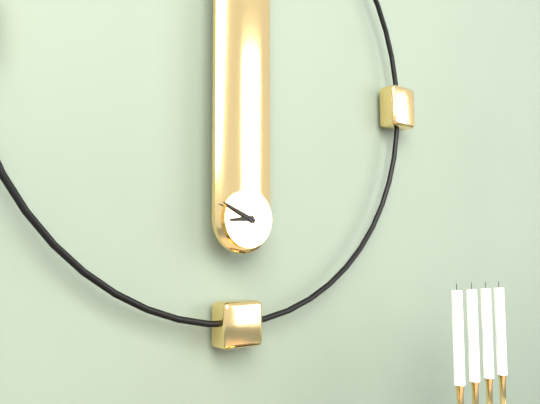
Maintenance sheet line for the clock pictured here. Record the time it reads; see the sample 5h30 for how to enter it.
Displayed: 8h49
